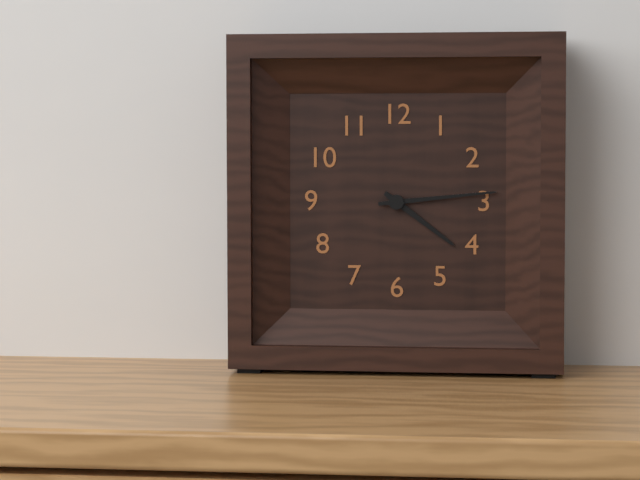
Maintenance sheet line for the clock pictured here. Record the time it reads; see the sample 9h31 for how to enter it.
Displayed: 4h14
